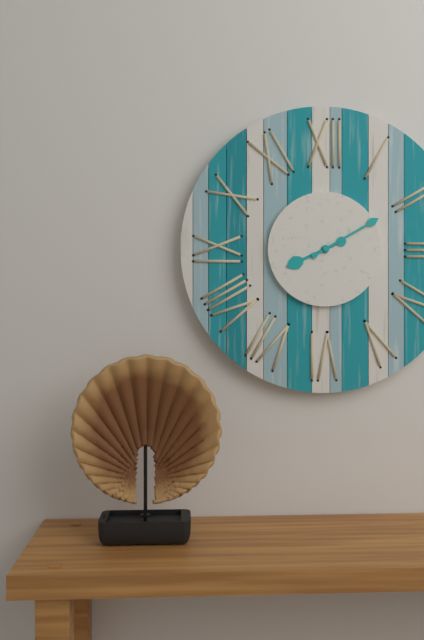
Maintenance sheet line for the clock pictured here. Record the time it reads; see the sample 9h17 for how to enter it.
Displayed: 8h10
